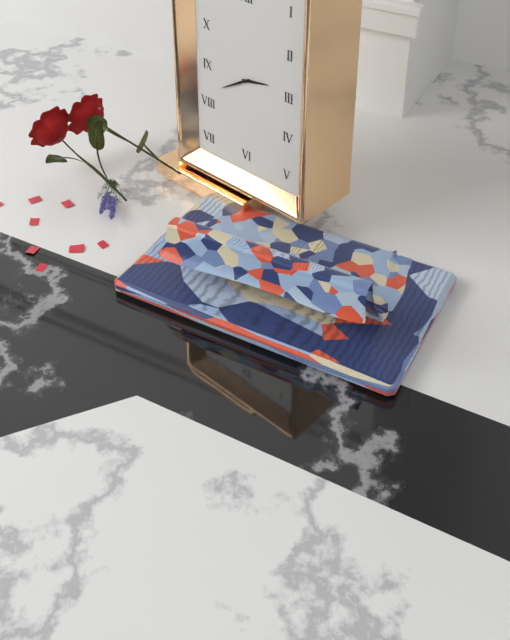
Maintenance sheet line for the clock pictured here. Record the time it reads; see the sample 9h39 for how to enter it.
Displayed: 2h40
